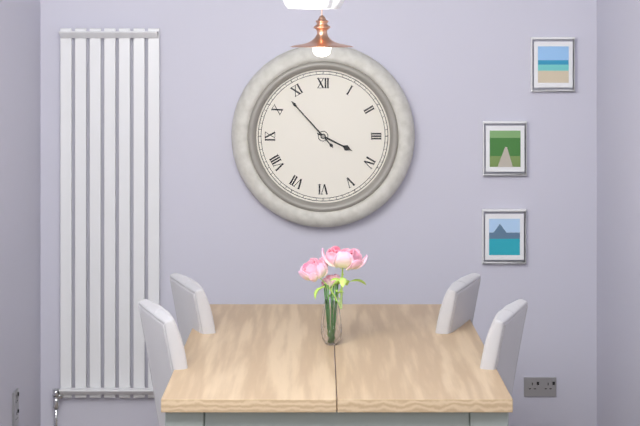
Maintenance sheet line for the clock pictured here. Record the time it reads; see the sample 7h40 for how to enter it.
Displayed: 3h53
